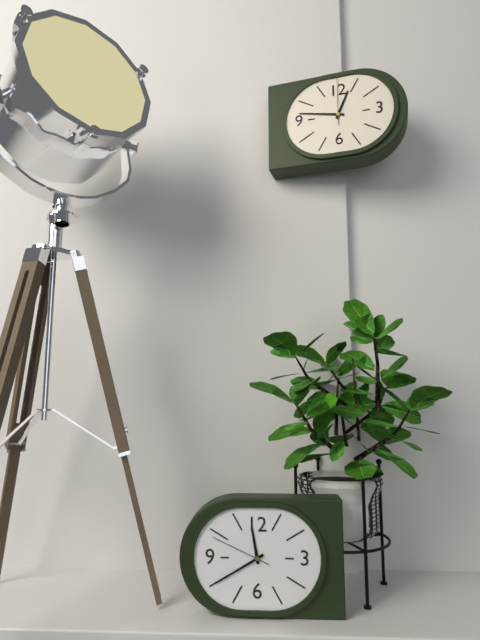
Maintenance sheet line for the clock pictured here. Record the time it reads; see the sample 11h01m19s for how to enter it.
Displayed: 11h40m49s
